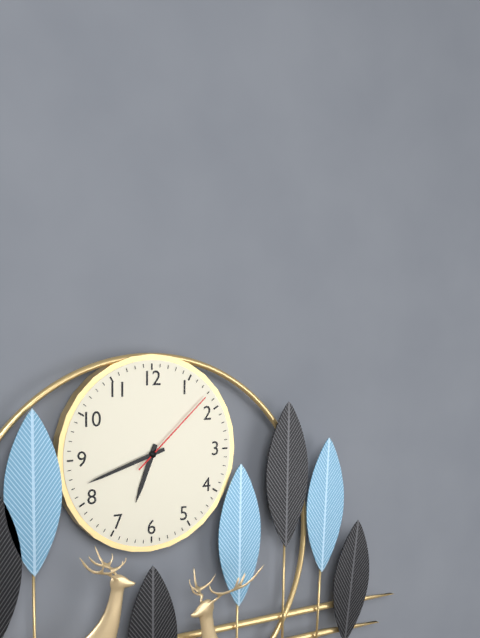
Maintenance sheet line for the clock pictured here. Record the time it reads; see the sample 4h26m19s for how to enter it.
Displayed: 6h42m08s
